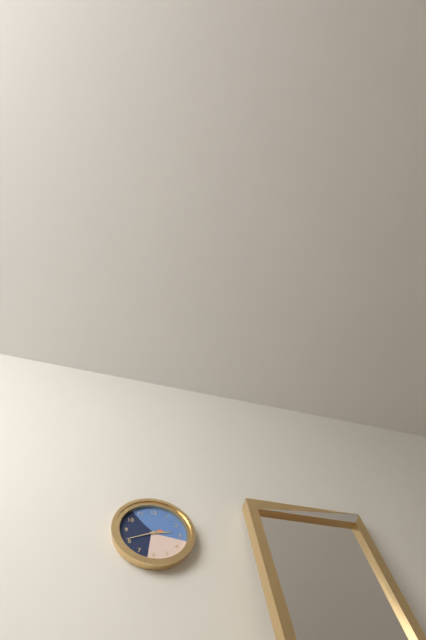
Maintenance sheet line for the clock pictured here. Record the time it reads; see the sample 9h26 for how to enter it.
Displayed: 2h41
